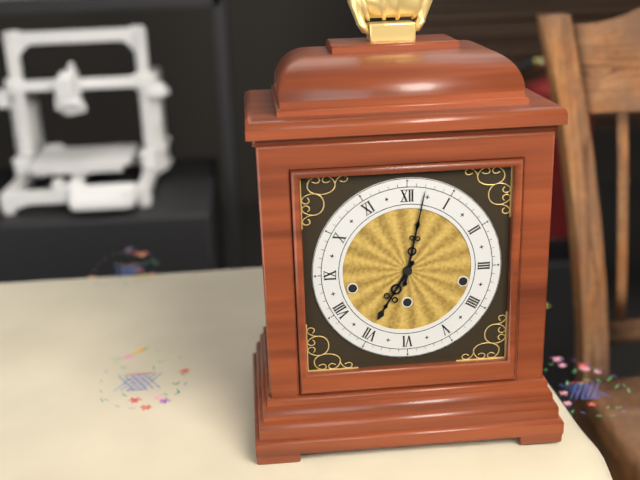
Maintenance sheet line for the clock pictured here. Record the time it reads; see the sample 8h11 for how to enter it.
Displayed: 7h02
